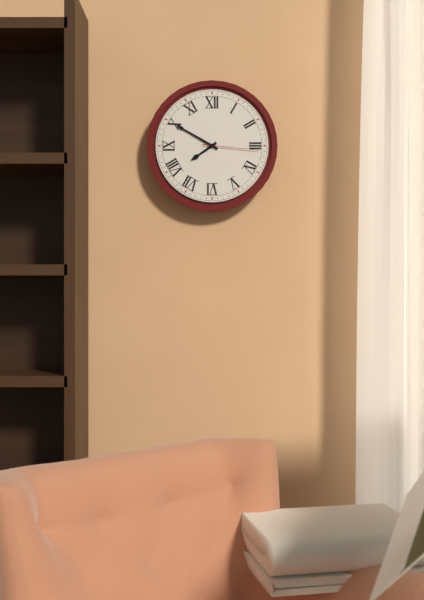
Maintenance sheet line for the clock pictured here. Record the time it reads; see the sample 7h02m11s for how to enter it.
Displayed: 7h50m16s
